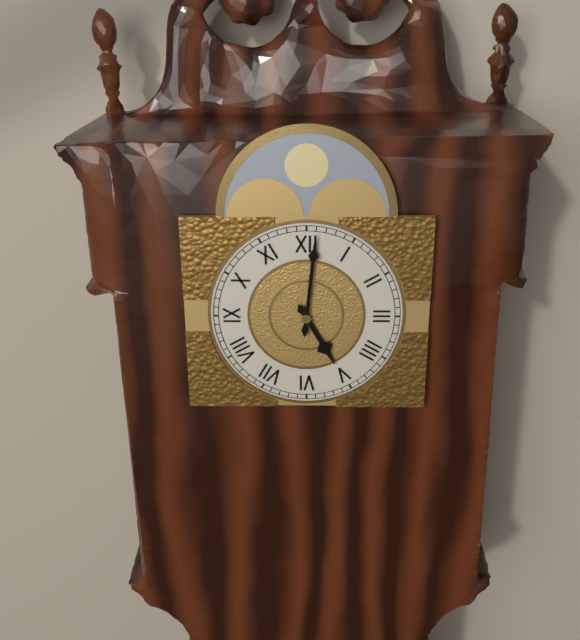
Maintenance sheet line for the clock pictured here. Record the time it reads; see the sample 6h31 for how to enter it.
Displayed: 5h01
